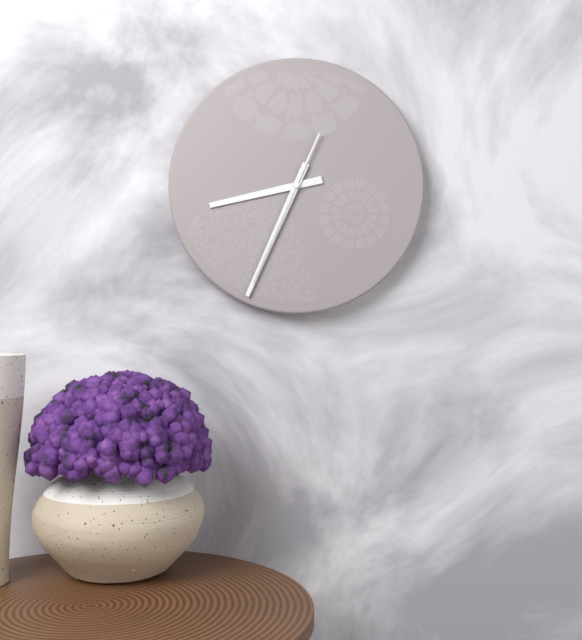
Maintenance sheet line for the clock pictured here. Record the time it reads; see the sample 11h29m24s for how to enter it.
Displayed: 8h34m34s
